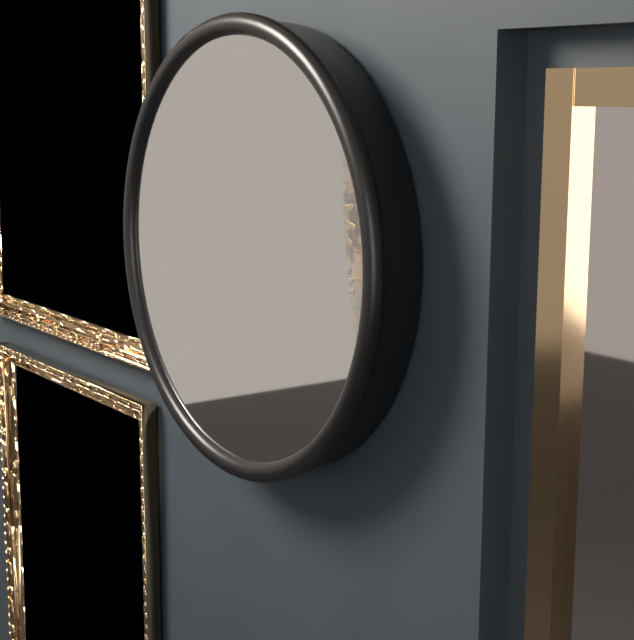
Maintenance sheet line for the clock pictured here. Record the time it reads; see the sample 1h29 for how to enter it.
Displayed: 12h59
